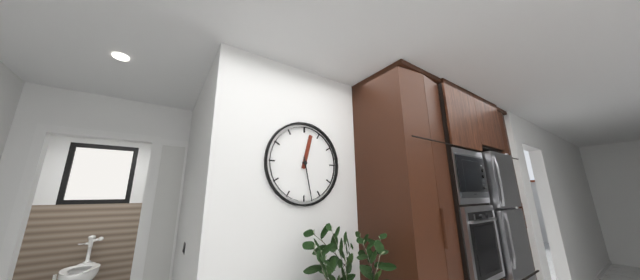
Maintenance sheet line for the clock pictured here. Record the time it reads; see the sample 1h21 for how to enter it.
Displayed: 12h28
